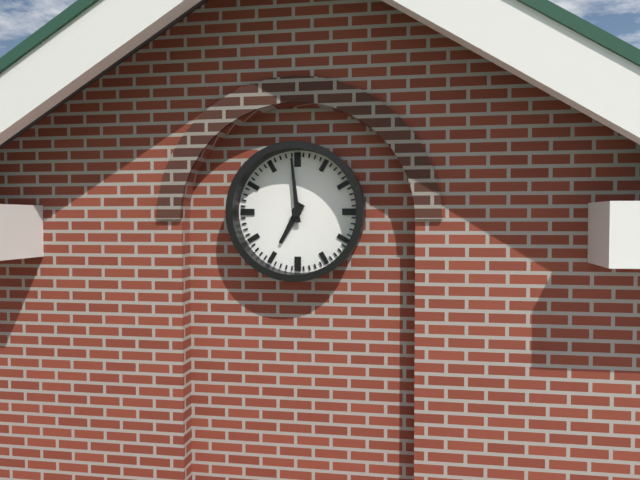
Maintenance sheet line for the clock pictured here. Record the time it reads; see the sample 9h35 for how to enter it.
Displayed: 6h59
